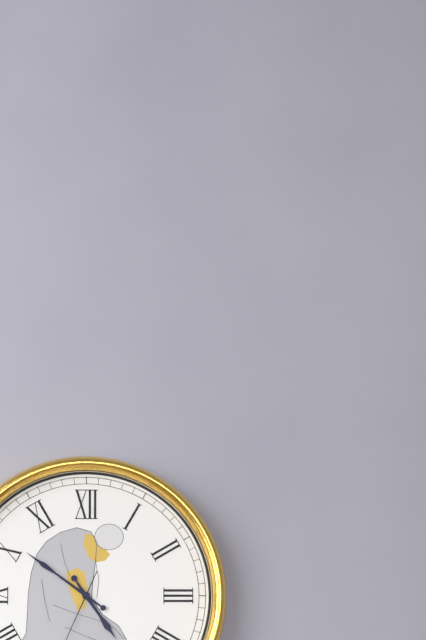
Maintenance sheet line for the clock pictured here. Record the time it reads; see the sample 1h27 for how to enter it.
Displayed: 4h51
